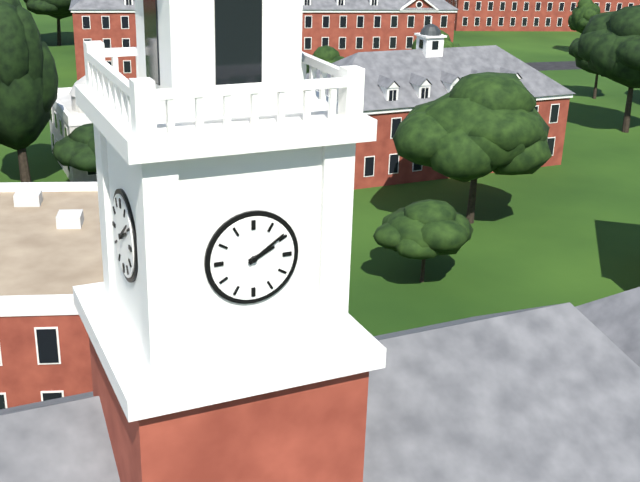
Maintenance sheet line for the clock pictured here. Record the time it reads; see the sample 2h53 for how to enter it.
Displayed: 2h09
